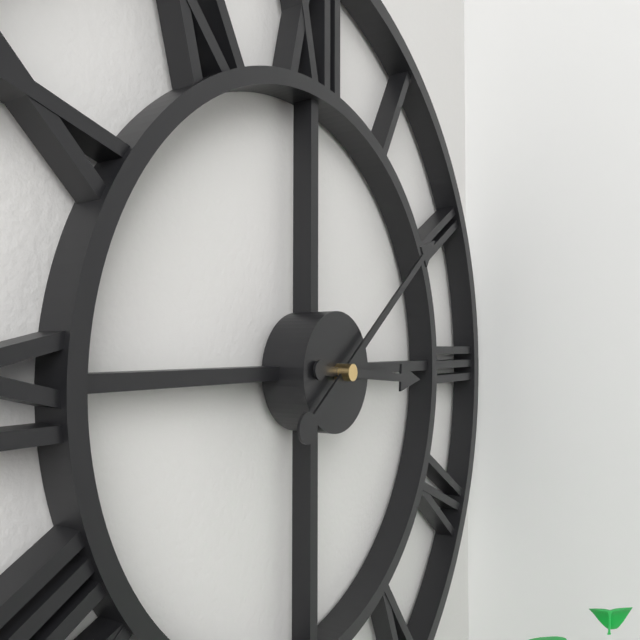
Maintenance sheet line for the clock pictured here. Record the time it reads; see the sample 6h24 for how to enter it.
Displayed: 3h09
